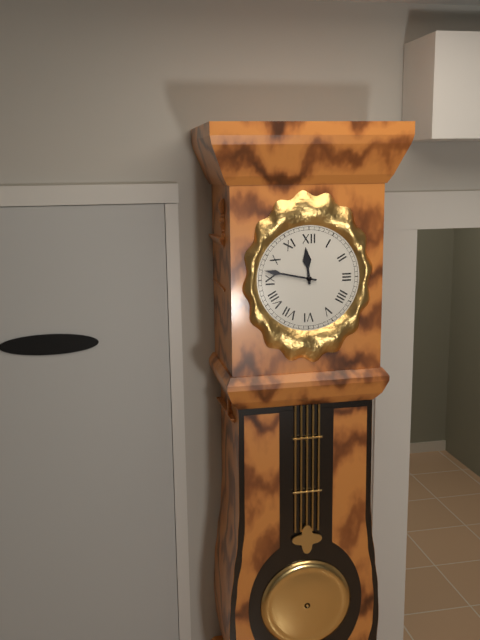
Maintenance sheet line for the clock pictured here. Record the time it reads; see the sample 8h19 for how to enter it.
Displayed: 11h47
